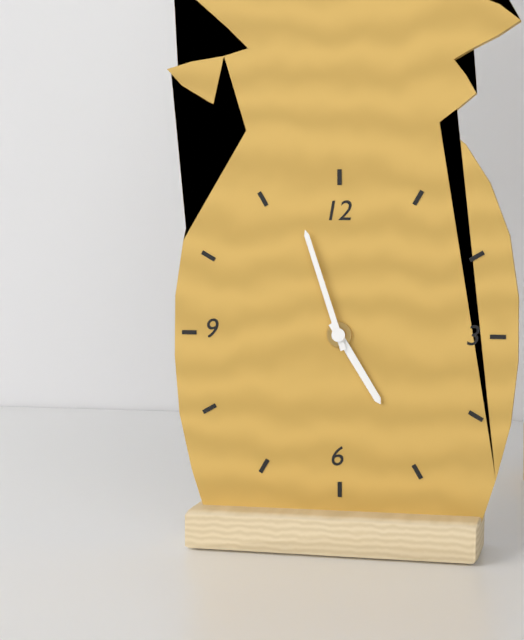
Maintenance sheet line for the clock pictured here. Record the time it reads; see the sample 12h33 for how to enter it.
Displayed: 4h57
